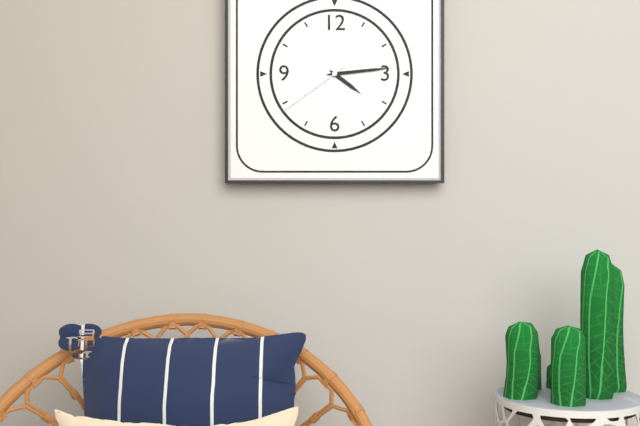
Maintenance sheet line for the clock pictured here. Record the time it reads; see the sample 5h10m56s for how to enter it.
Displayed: 4h14m39s
